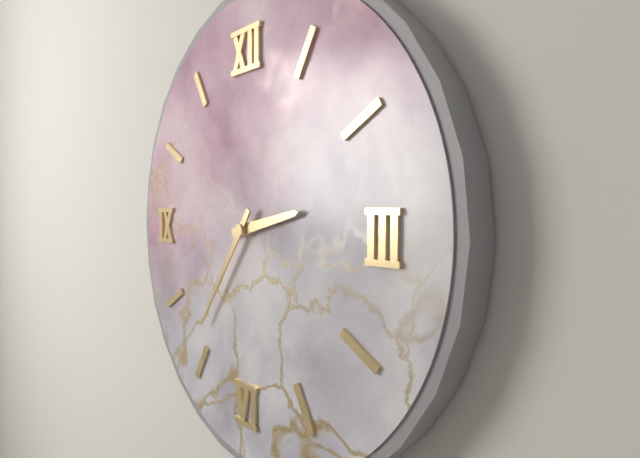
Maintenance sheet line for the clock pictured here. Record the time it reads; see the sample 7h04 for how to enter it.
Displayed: 2h36
